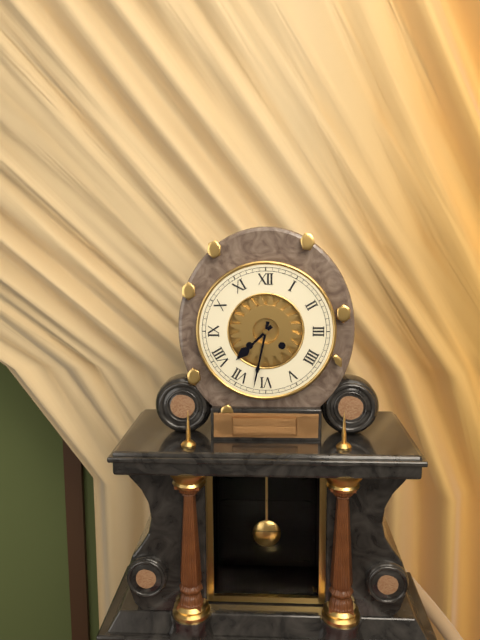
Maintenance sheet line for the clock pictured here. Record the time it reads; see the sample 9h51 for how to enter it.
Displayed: 7h32
